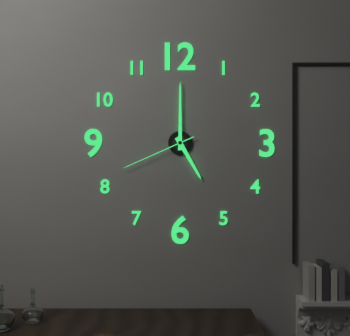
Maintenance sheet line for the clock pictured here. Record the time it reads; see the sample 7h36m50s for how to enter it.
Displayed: 5h00m41s
